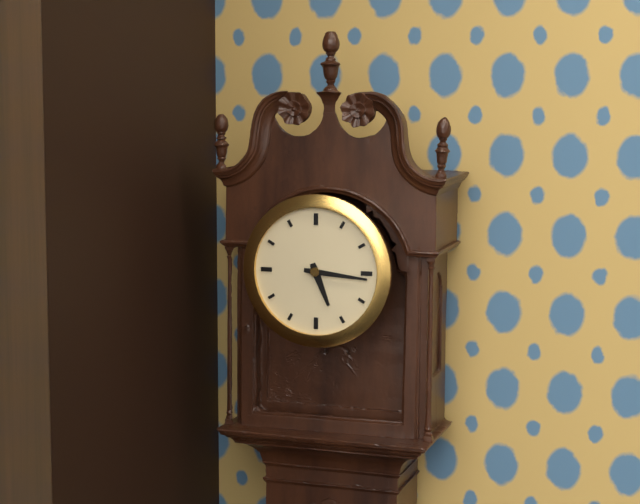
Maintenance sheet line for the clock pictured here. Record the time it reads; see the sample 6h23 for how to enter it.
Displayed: 5h16
